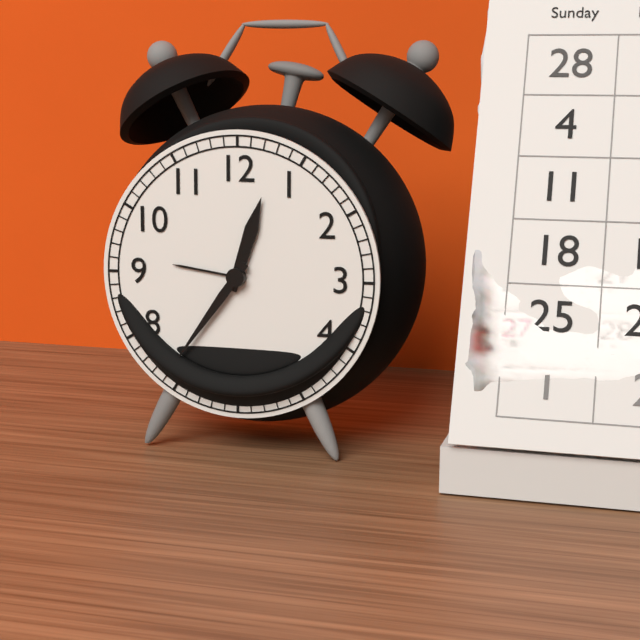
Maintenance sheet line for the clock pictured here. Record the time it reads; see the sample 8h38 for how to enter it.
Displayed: 12h36
